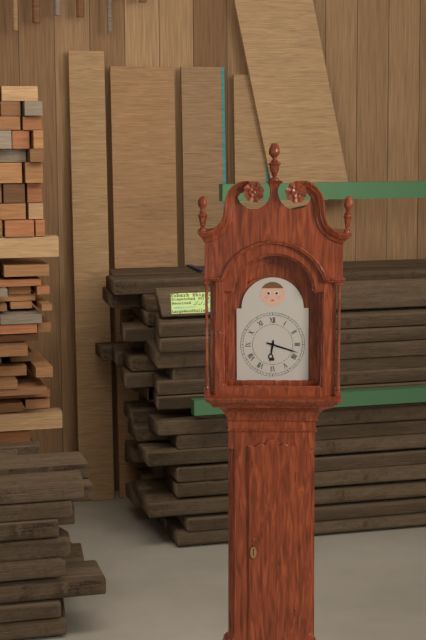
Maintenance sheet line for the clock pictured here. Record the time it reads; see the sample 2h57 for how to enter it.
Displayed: 6h18
